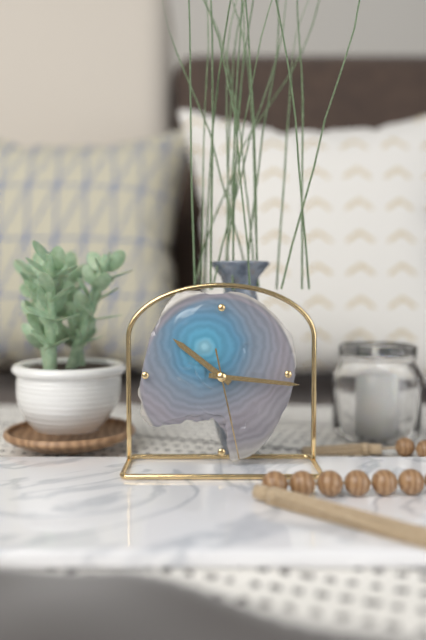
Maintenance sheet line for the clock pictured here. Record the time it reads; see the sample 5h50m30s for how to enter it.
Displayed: 10h16m28s
